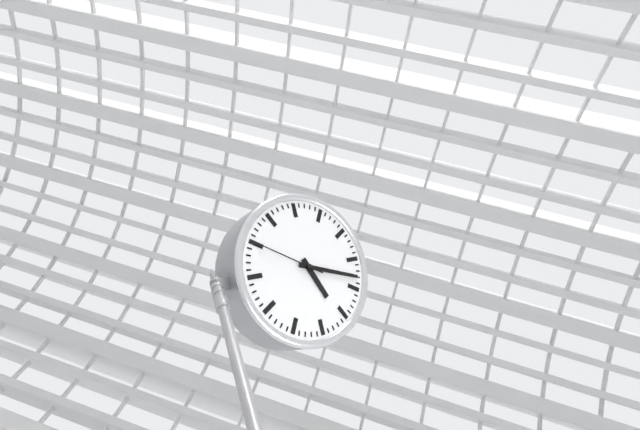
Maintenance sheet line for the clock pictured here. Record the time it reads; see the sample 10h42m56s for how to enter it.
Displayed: 4h13m45s
